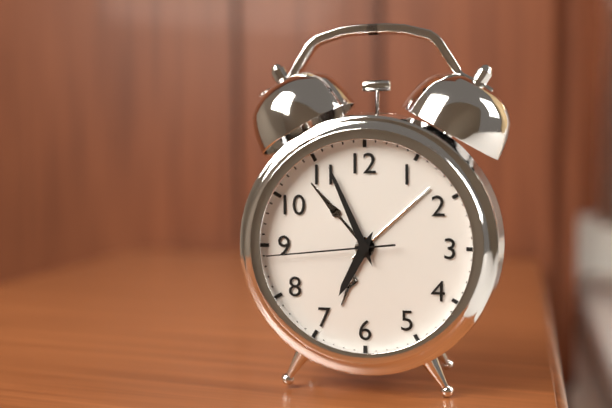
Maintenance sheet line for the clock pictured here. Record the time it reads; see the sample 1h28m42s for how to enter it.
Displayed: 6h56m44s
